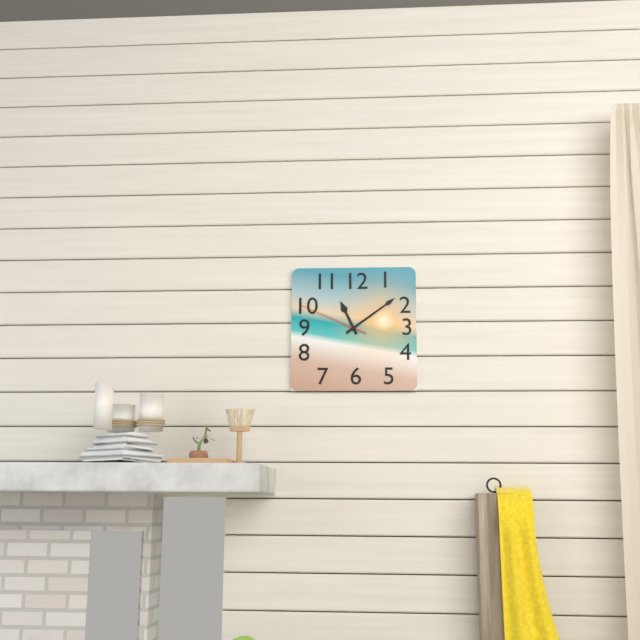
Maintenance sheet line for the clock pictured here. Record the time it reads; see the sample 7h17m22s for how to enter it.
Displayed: 11h09m49s
